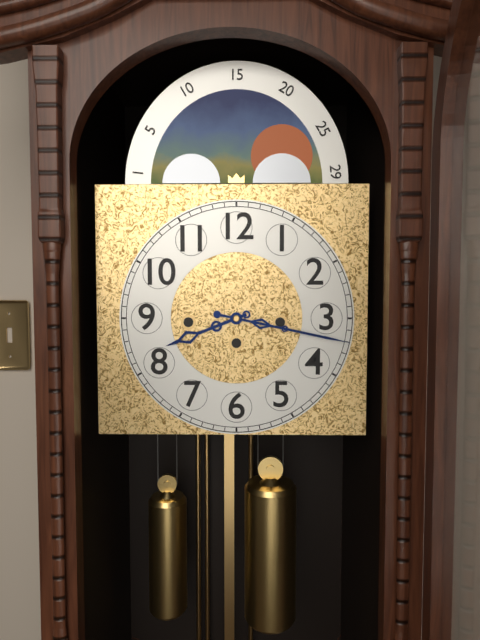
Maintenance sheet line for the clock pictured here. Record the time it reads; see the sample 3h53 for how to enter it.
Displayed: 8h17
